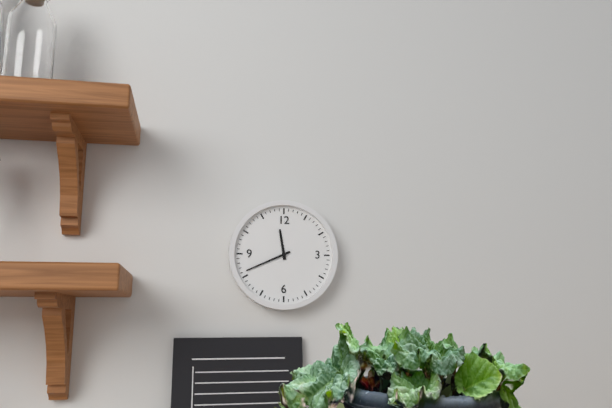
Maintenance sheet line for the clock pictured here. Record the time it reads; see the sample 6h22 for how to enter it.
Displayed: 11h41
